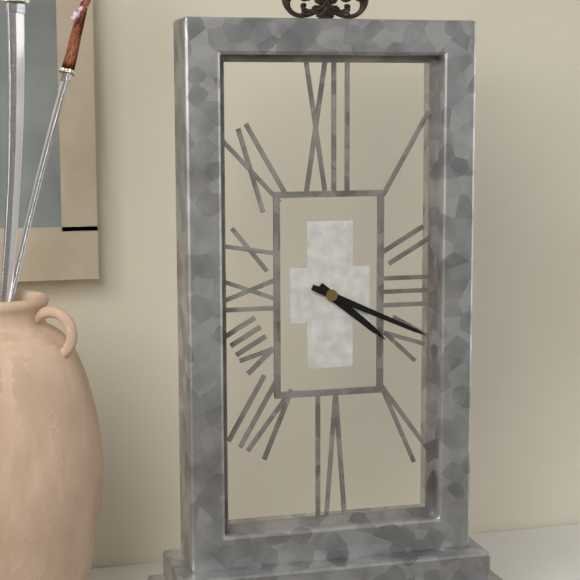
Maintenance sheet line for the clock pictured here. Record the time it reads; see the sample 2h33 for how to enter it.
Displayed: 4h19
